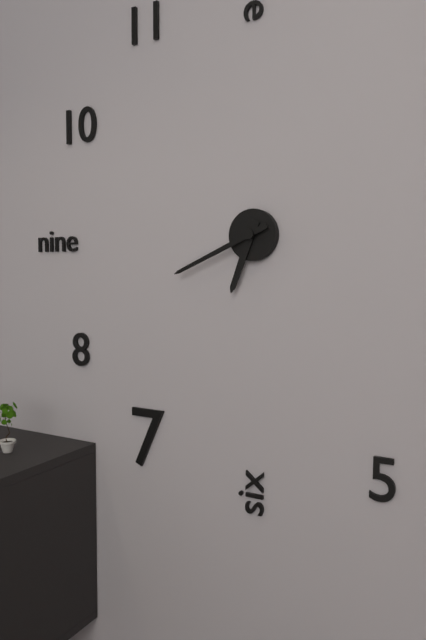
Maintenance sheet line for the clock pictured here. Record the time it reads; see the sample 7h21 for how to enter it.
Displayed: 6h41
